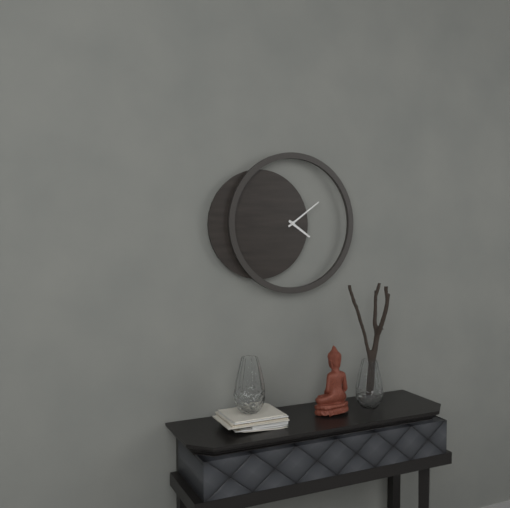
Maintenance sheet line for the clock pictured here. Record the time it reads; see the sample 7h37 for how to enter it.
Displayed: 4h09
